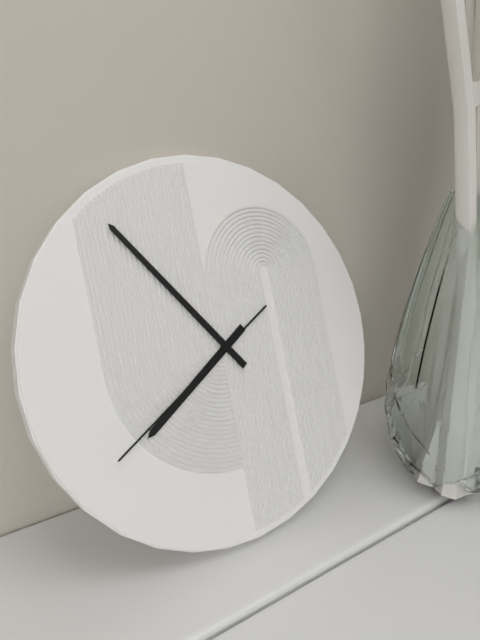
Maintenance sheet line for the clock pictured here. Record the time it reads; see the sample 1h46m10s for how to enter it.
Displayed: 7h54m40s
